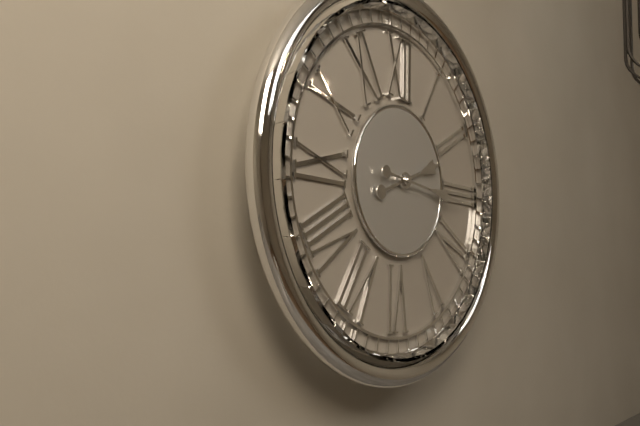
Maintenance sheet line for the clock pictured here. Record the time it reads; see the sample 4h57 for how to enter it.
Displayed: 2h16
